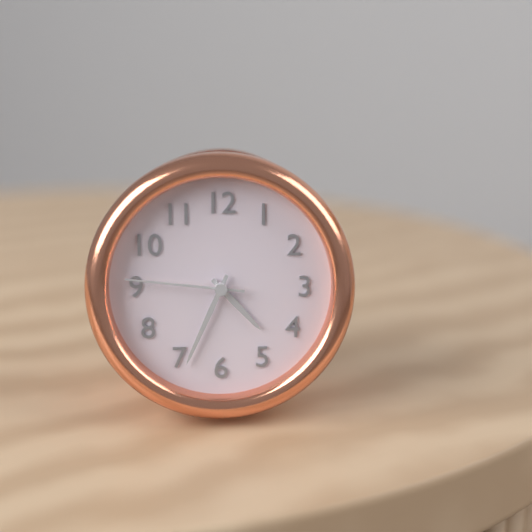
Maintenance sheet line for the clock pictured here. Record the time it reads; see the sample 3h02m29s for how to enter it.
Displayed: 4h34m46s
